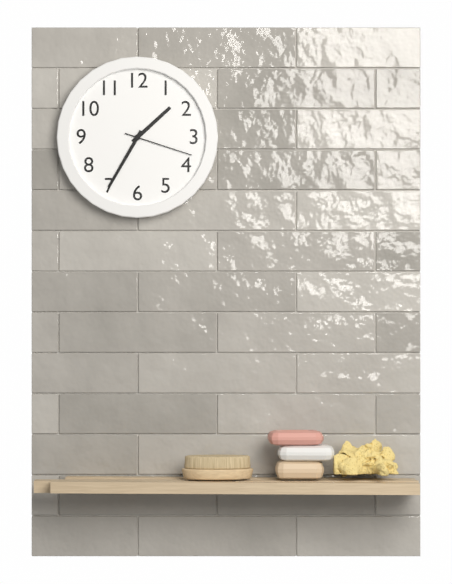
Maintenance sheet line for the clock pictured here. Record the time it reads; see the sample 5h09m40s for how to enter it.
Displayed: 1h35m18s
